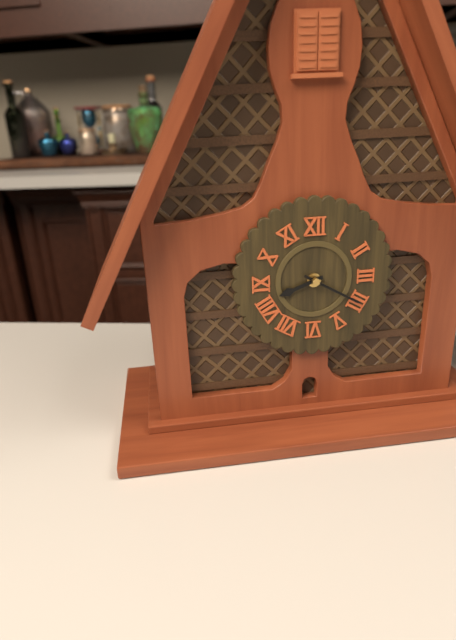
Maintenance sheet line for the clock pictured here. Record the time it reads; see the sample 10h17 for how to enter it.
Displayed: 8h20
